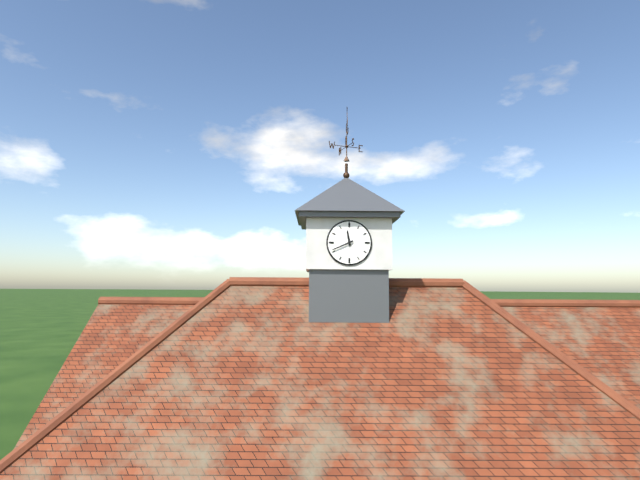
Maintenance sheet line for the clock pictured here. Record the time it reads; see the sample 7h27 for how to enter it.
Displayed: 11h41
